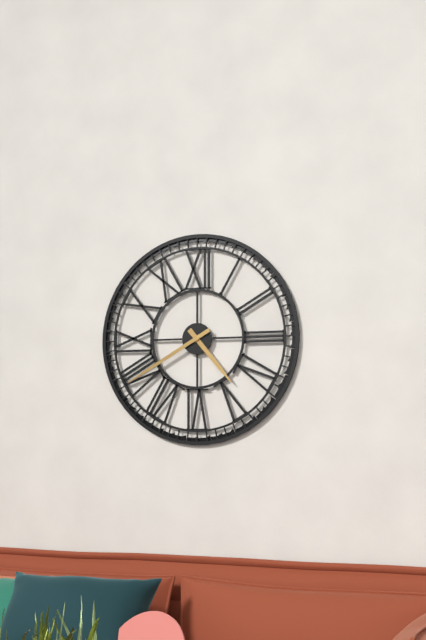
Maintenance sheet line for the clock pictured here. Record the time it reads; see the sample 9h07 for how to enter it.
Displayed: 4h40
